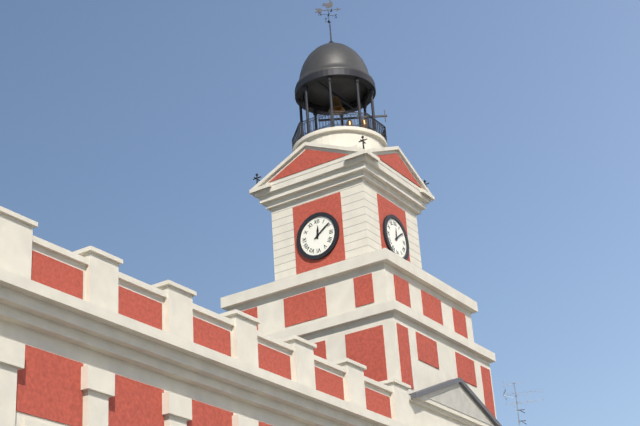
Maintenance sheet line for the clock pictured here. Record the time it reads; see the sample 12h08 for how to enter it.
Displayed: 12h09
